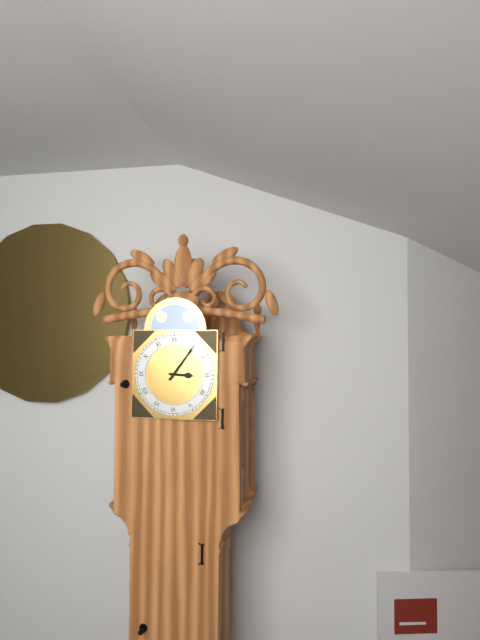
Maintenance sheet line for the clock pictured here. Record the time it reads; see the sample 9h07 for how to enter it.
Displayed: 3h06
